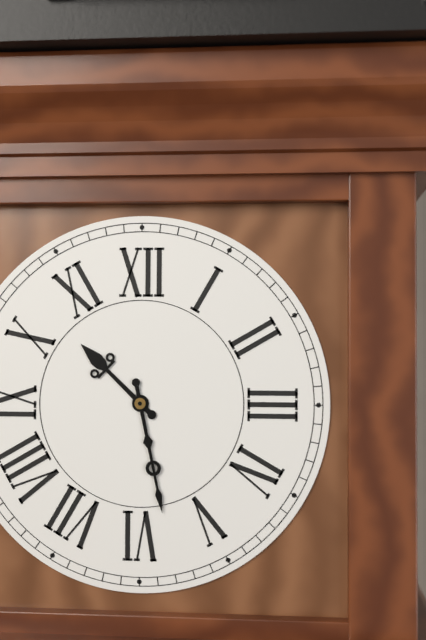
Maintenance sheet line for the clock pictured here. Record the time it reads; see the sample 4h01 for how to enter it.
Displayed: 10h28
